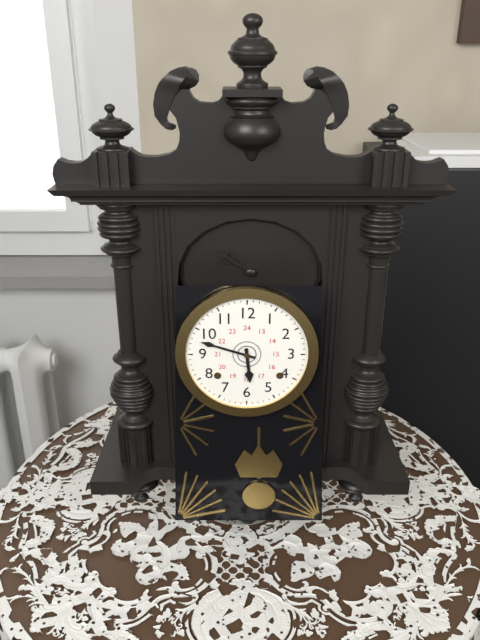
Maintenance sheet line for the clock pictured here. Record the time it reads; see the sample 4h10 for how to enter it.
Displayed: 5h48
